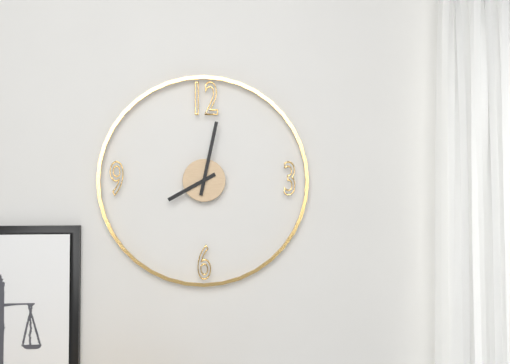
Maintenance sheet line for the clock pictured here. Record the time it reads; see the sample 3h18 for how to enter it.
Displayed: 8h02
